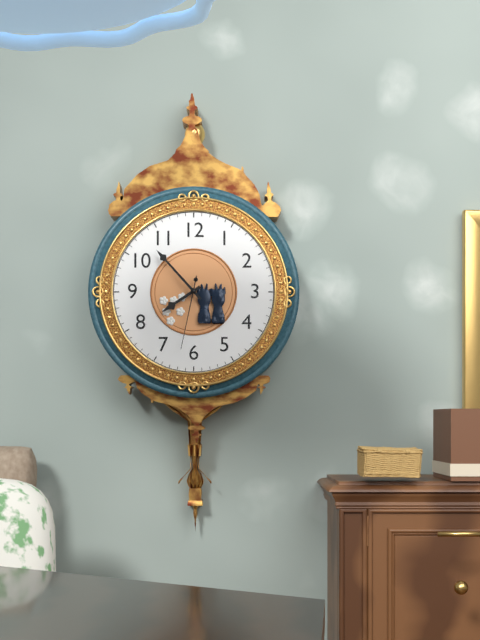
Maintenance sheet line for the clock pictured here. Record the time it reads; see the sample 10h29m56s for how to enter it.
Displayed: 7h53m32s
